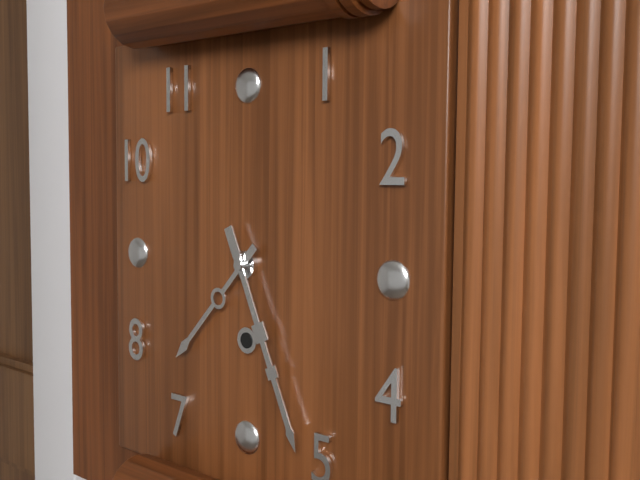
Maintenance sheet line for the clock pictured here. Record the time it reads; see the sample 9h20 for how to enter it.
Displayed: 7h26
